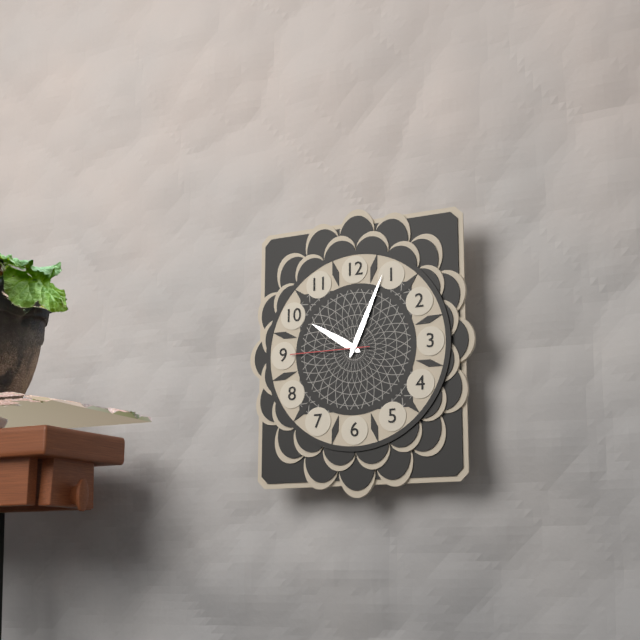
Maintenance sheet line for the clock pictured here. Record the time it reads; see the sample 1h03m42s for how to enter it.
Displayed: 10h04m45s
